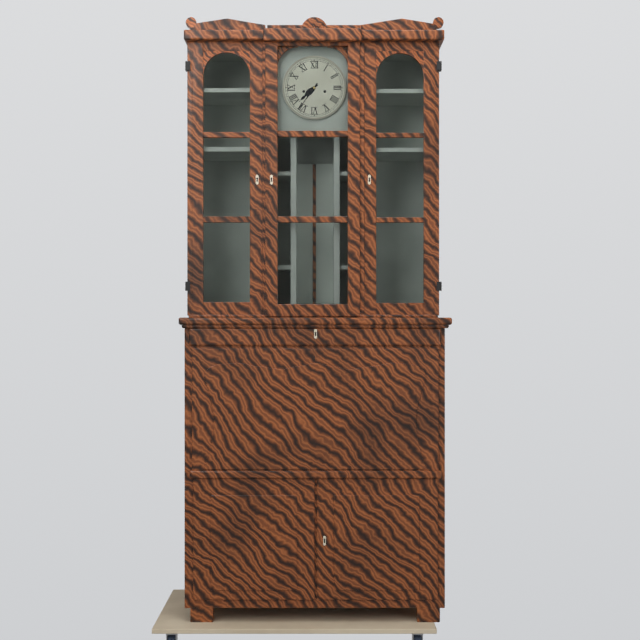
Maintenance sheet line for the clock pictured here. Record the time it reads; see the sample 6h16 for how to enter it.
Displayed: 7h36
